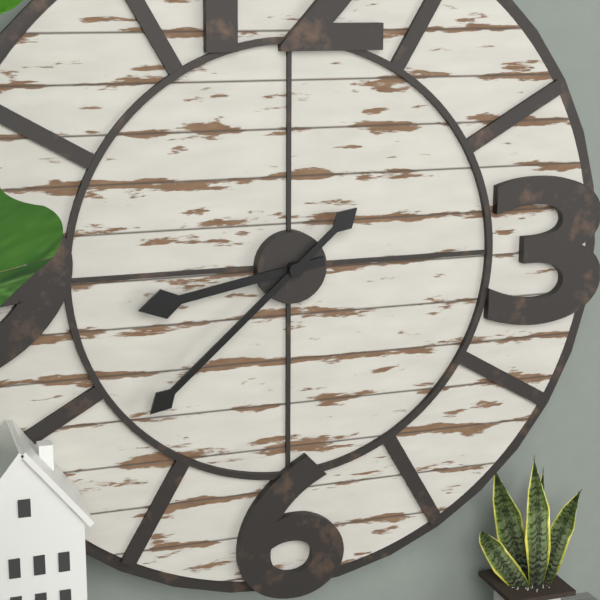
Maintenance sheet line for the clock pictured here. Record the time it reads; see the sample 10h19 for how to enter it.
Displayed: 8h38
